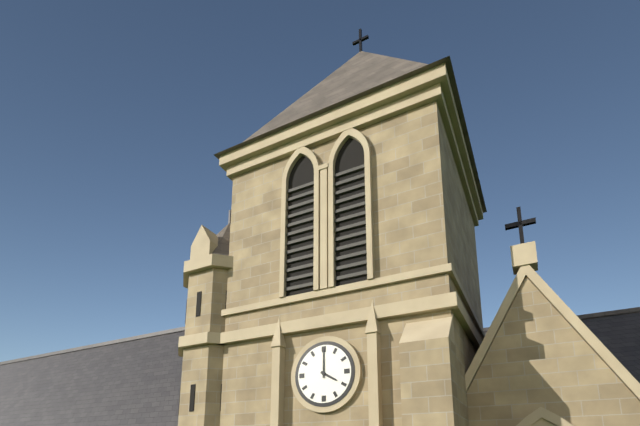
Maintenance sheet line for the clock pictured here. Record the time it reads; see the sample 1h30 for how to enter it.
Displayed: 4h00
